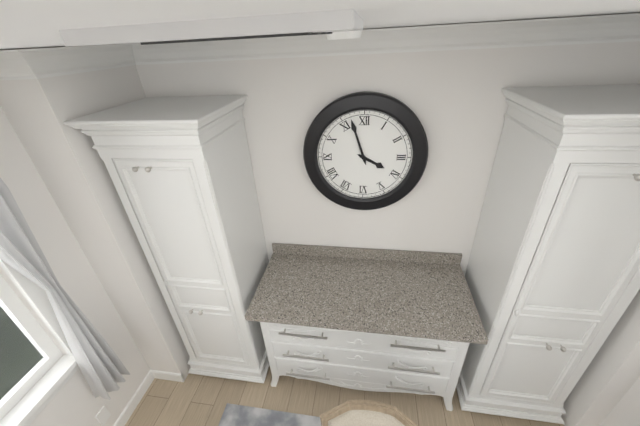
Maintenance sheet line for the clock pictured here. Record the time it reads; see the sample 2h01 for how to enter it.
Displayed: 3h57
